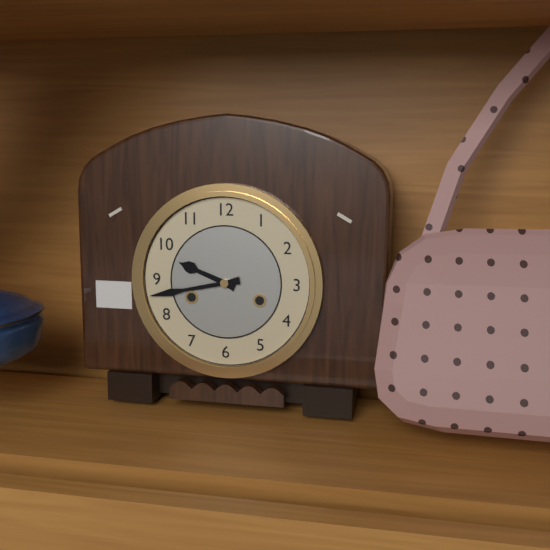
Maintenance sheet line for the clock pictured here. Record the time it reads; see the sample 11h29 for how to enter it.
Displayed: 9h43
